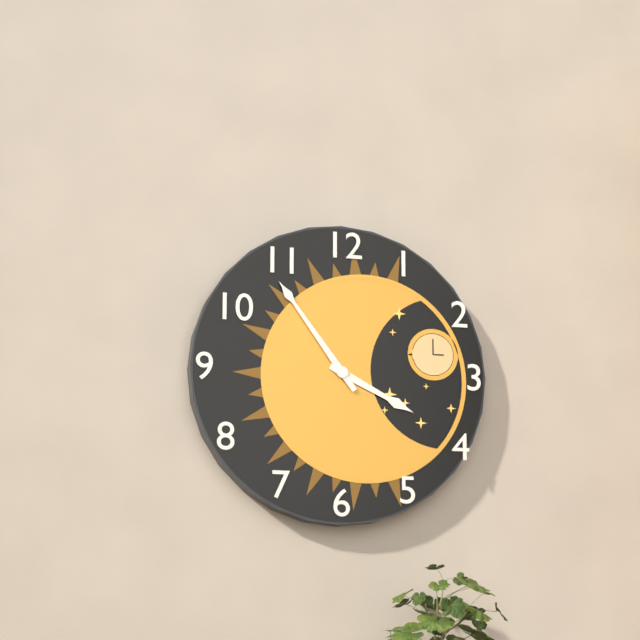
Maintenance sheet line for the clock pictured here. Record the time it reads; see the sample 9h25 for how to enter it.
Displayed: 3h54
